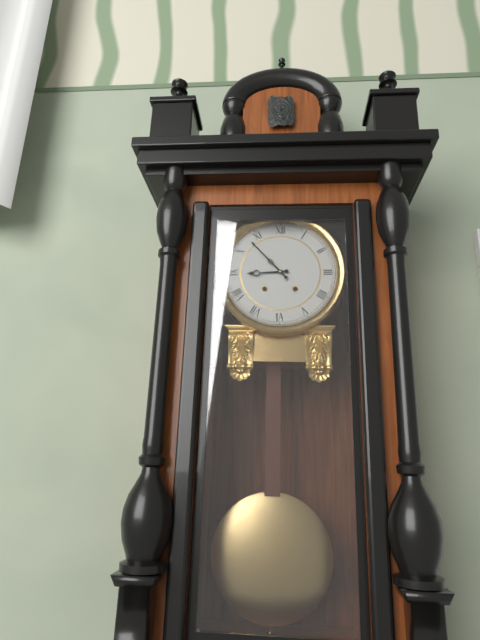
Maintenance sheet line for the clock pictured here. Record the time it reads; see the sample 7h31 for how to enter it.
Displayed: 8h53
